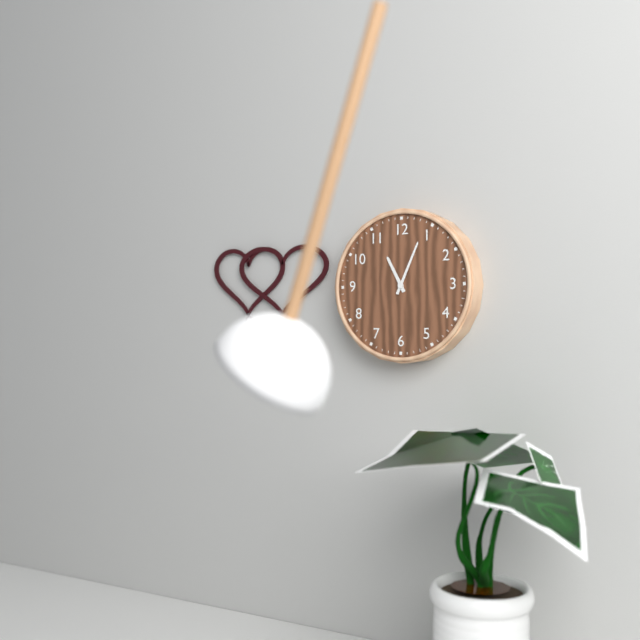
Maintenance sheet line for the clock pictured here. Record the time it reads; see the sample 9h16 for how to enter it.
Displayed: 11h04
